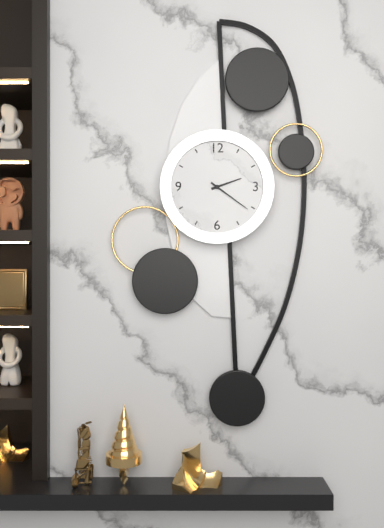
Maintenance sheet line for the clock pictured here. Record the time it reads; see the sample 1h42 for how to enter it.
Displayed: 2h21
